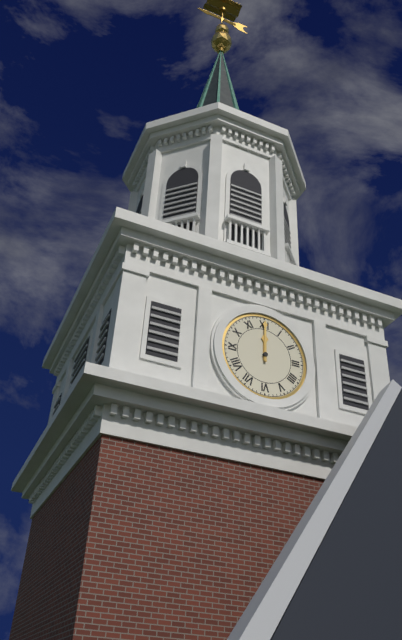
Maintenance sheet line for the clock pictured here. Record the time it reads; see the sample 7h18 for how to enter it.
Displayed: 12h00
